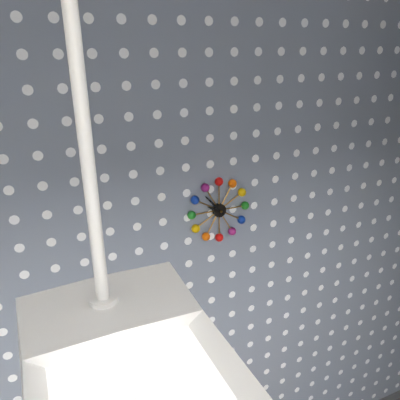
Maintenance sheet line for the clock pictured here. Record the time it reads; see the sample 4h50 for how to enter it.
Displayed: 9h53
